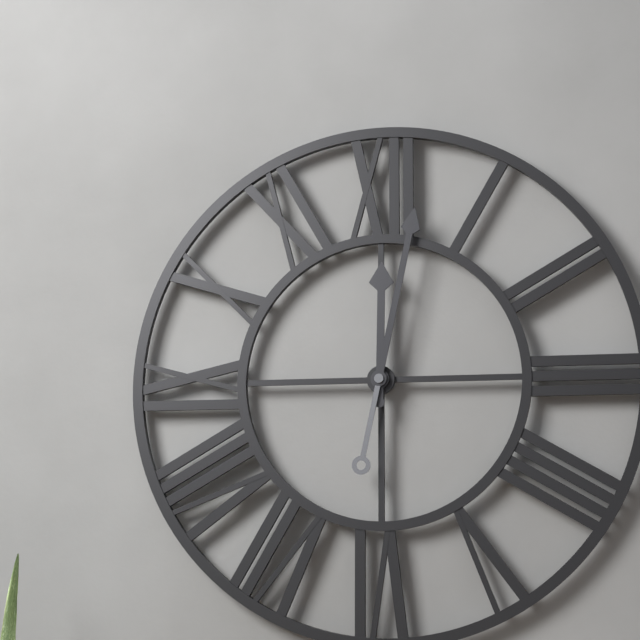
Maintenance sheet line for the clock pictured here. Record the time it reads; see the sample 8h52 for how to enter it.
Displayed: 12h02
